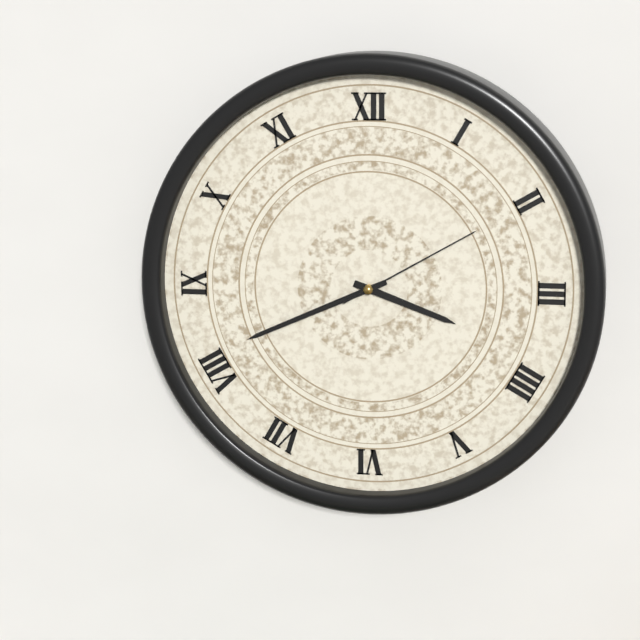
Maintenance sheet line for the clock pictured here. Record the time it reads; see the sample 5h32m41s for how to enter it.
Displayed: 3h41m10s
